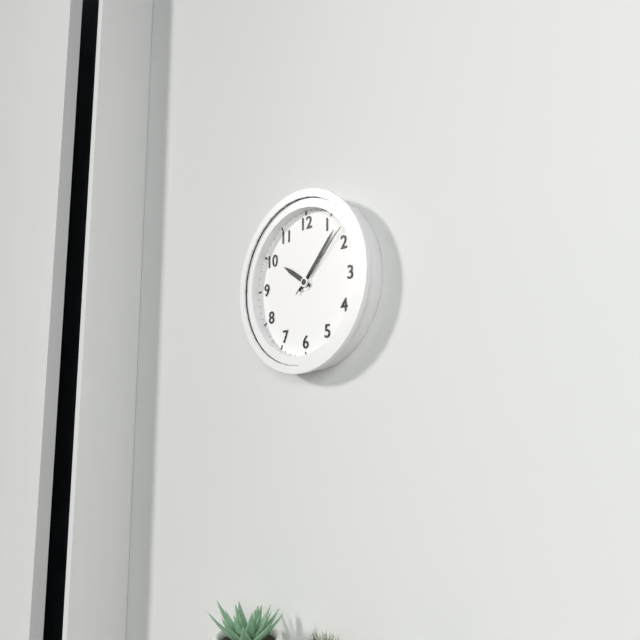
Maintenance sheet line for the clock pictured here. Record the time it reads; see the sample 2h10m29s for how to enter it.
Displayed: 10h07m08s
